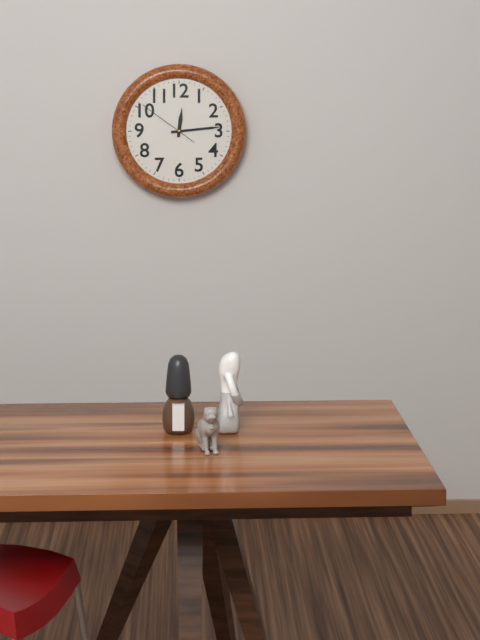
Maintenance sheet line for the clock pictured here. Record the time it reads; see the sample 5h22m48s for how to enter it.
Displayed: 12h14m51s
